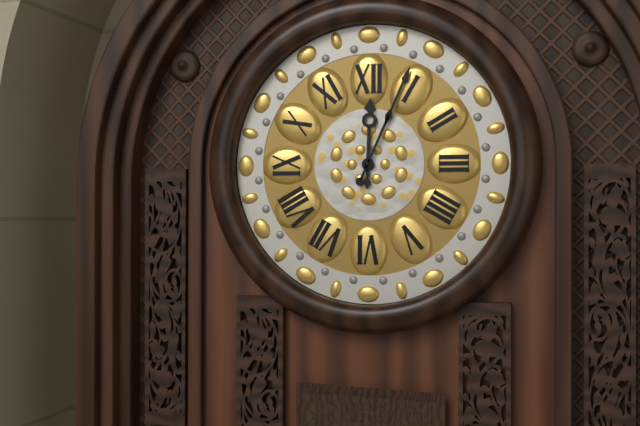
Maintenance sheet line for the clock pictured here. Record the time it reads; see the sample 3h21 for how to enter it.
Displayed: 12h04
